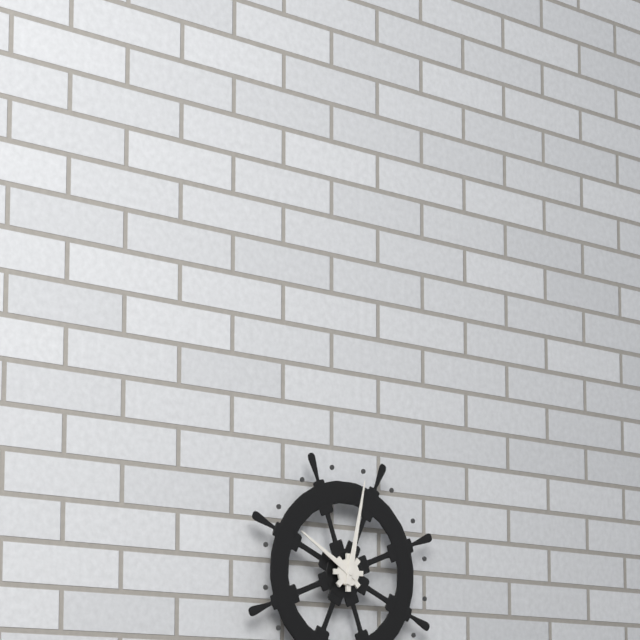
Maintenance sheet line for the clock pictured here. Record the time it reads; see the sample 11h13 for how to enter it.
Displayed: 10h02
